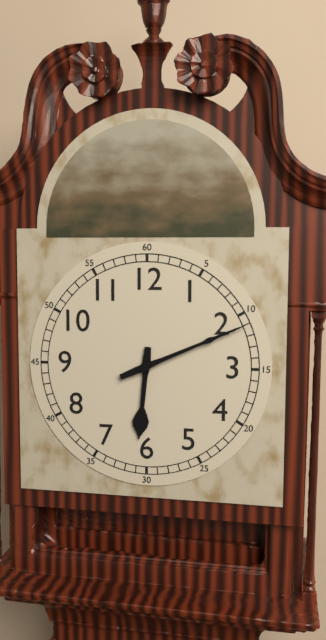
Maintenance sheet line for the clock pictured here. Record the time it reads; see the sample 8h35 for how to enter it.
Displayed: 6h11
